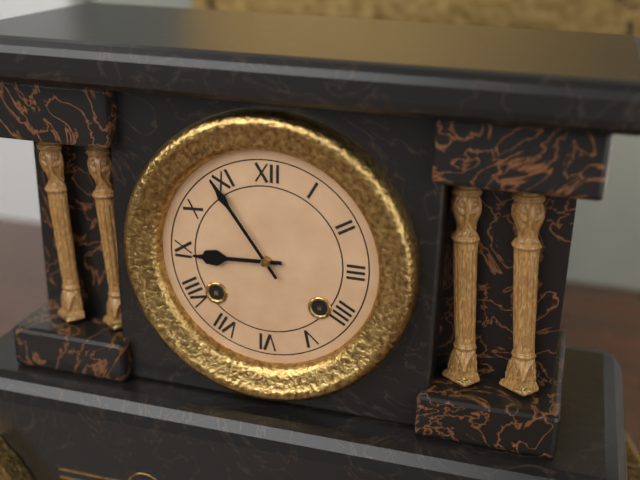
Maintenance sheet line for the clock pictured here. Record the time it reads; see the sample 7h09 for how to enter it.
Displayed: 8h54
